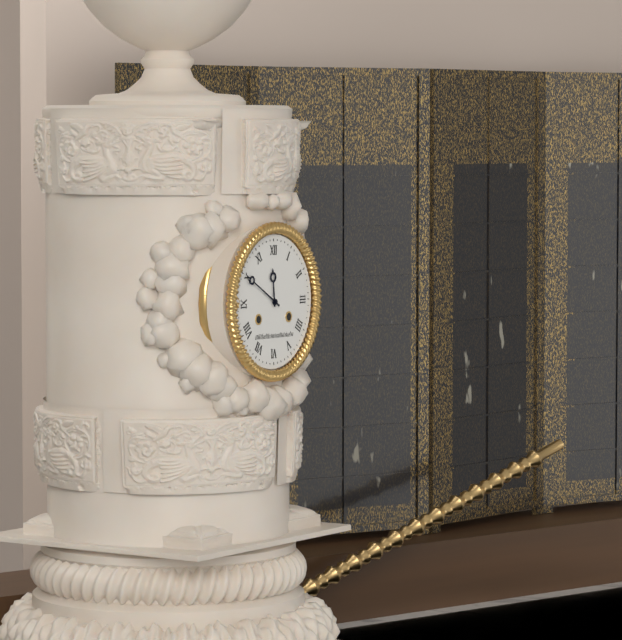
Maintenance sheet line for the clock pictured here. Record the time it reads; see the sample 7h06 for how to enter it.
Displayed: 11h50
